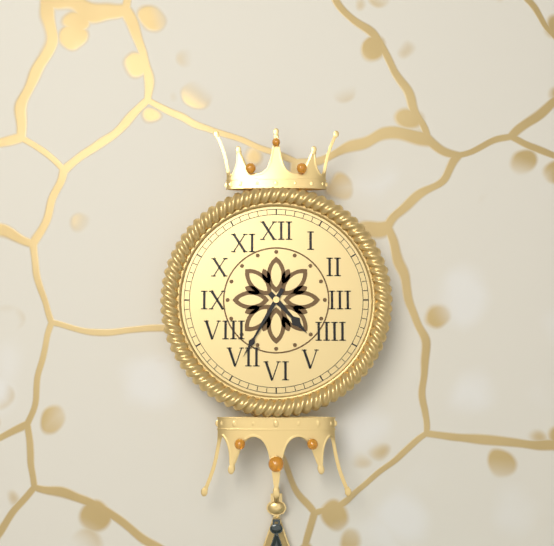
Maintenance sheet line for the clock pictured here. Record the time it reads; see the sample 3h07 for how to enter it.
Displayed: 4h35
